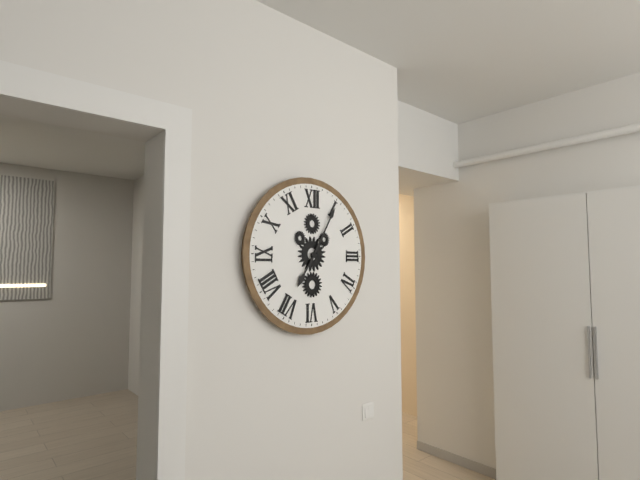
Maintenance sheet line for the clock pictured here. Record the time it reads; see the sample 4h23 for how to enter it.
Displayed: 7h05
